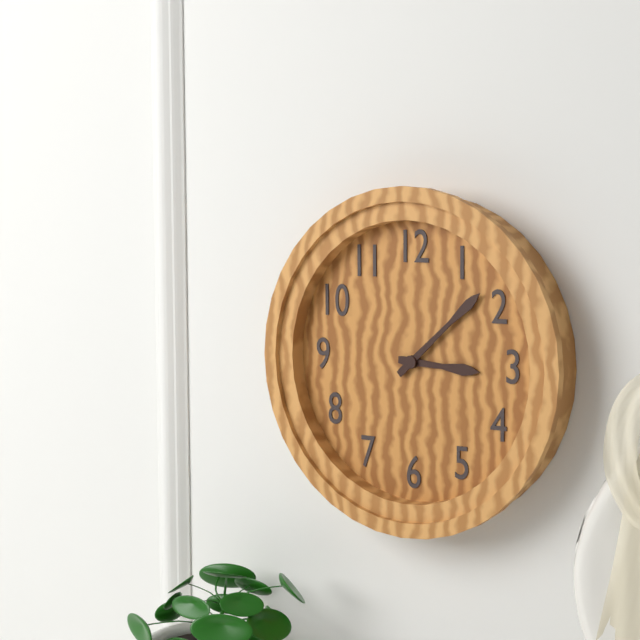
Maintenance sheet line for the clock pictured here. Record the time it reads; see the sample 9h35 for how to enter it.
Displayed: 3h08
